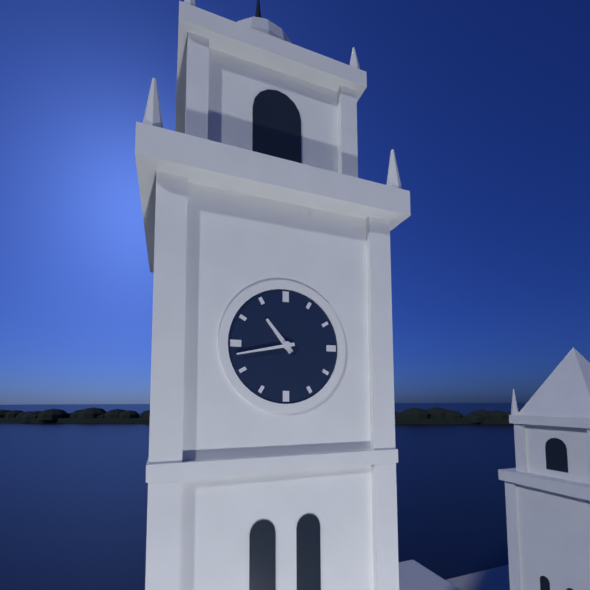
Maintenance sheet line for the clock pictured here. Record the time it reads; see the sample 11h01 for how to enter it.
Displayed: 10h43
